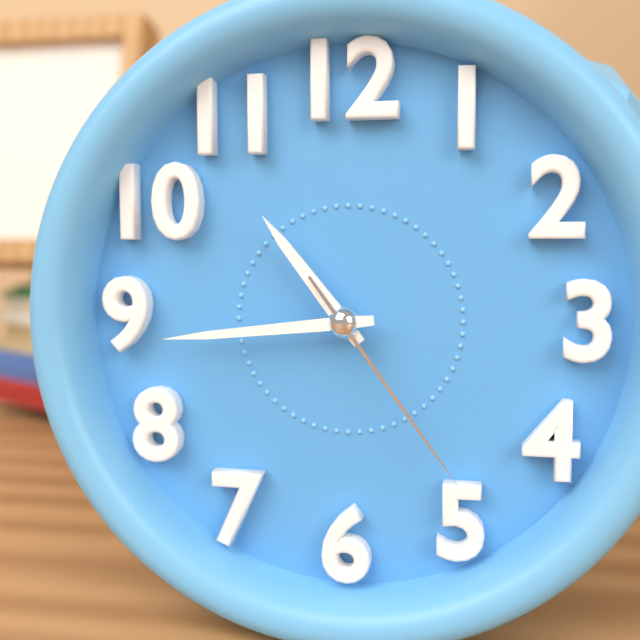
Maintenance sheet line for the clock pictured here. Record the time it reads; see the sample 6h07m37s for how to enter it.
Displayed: 10h44m24s
